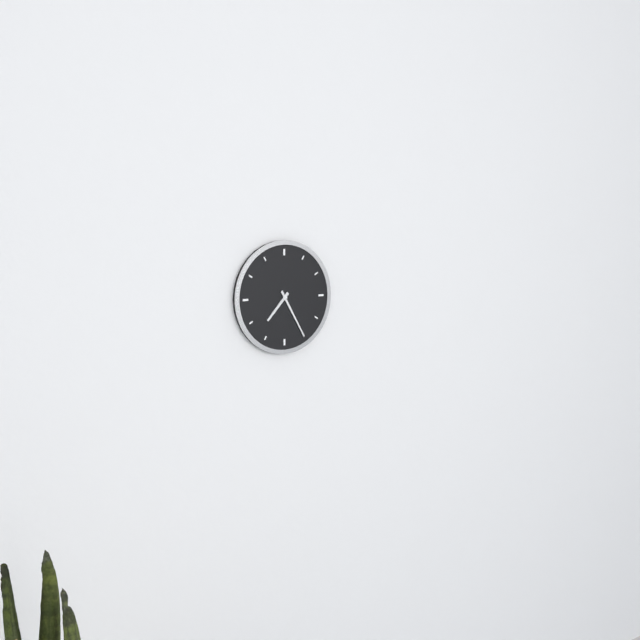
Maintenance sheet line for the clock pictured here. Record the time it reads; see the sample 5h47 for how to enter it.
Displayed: 7h25
